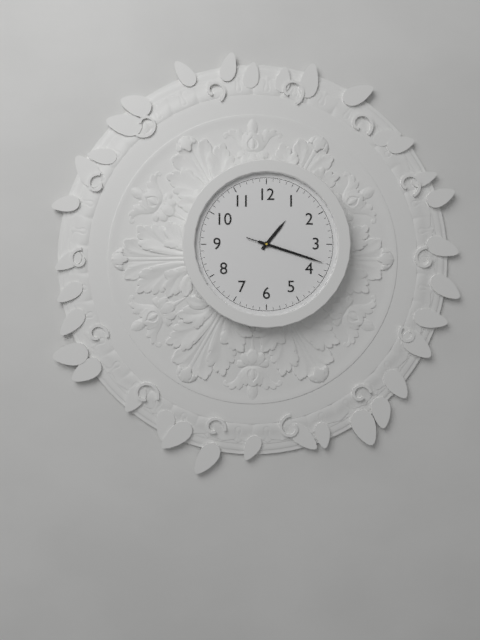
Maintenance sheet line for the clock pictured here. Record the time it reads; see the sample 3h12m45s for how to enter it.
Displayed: 1h18m18s
